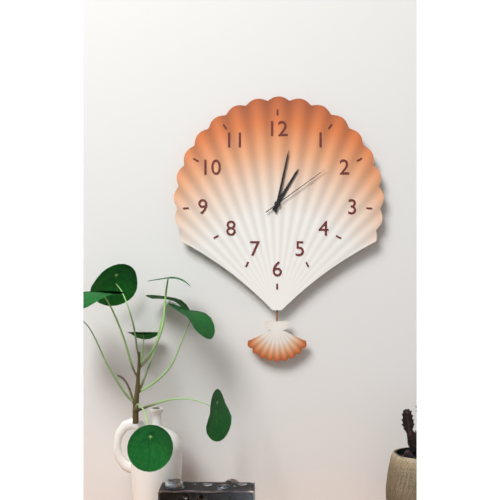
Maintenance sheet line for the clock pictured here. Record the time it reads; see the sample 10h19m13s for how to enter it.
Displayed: 1h02m09s
